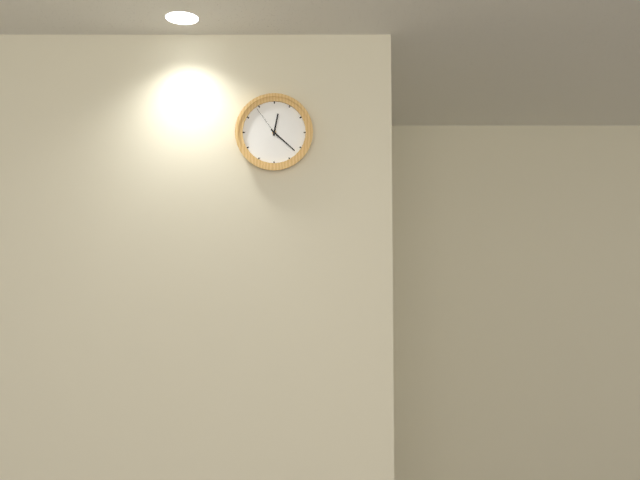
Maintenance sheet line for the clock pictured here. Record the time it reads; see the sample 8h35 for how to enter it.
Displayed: 12h22
